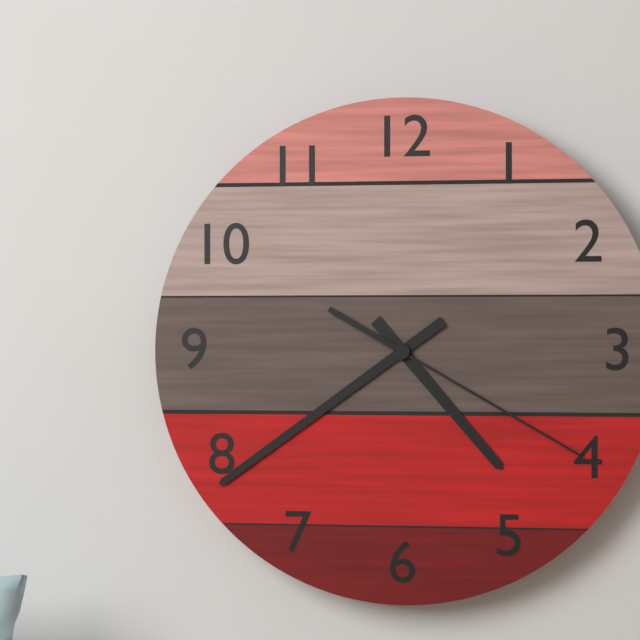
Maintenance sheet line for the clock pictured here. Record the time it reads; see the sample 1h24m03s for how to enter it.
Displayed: 4h39m20s
